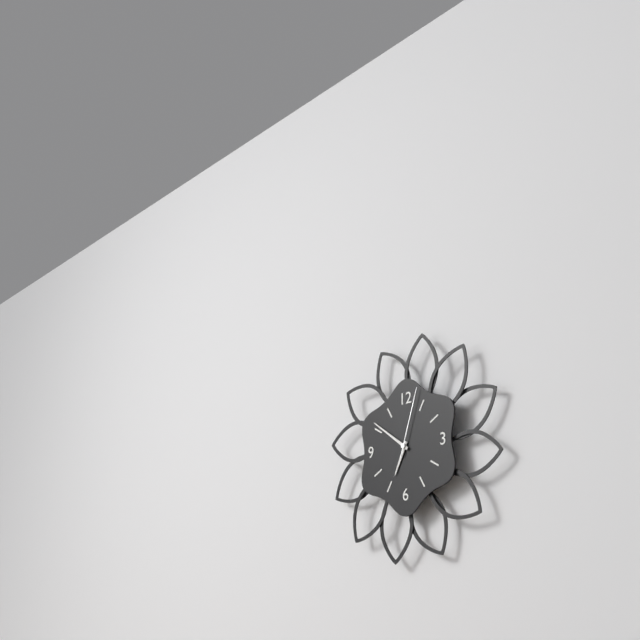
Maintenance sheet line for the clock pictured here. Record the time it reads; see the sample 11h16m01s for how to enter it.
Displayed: 6h51m03s
